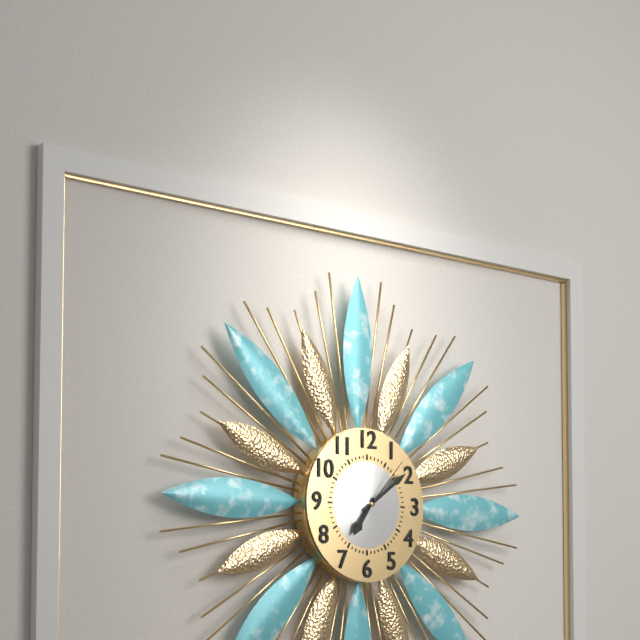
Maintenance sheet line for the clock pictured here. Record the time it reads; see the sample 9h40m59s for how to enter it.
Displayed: 7h09m07s
